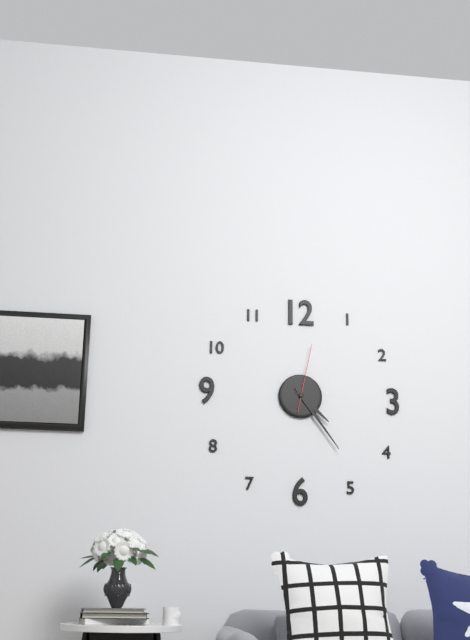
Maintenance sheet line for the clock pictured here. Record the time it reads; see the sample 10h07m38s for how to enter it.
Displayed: 4h24m02s
